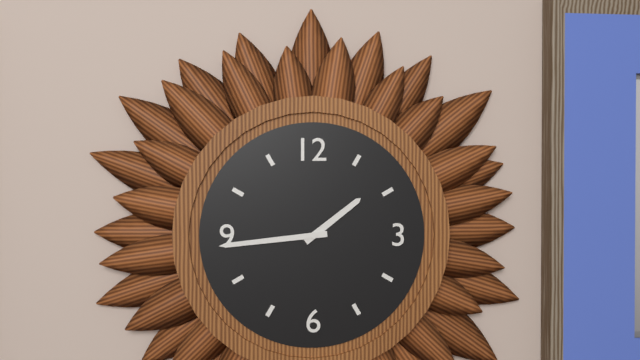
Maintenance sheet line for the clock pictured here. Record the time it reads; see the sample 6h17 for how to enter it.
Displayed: 1h44
